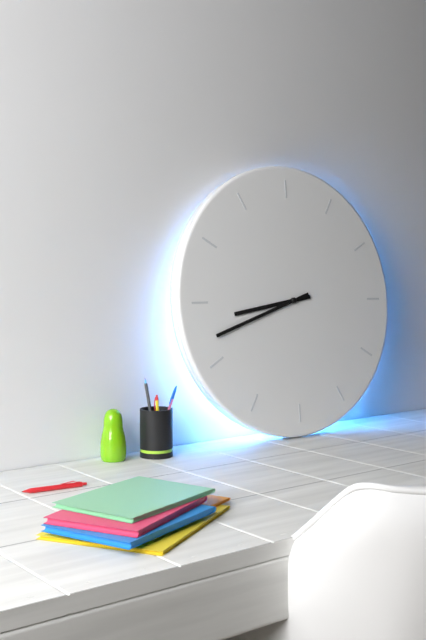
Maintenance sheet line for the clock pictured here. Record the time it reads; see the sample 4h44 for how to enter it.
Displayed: 8h42
